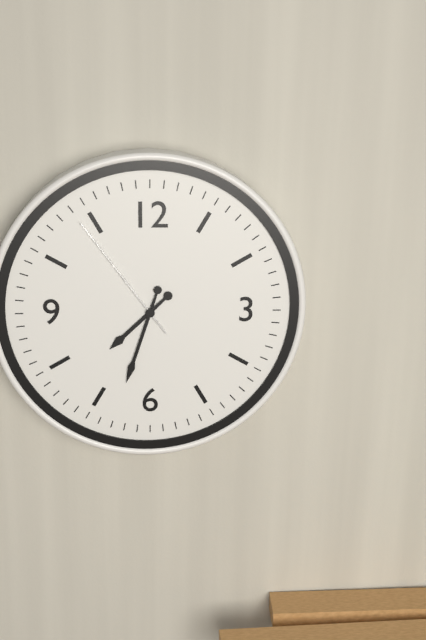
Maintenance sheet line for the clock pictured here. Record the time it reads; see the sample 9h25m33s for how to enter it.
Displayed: 7h33m54s
